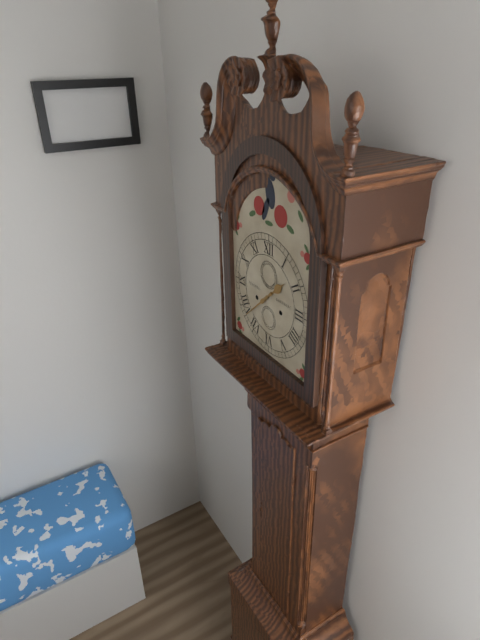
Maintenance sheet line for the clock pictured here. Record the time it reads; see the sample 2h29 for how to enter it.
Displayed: 1h38
